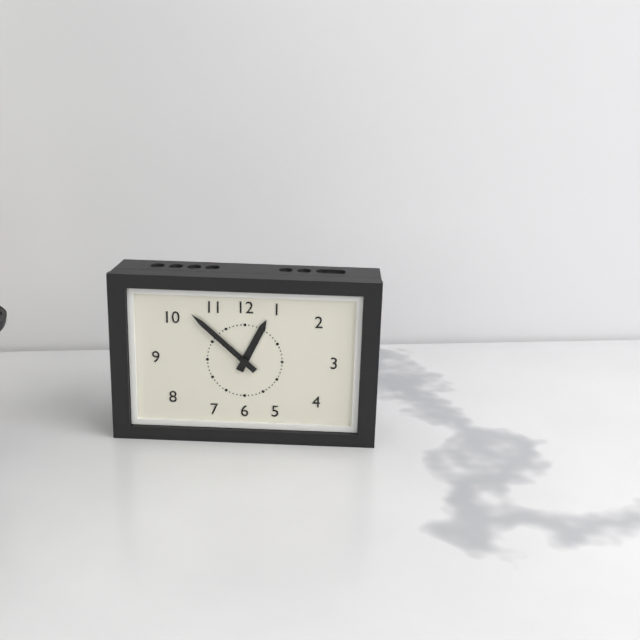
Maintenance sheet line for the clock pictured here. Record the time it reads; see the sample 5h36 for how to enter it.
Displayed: 12h52
